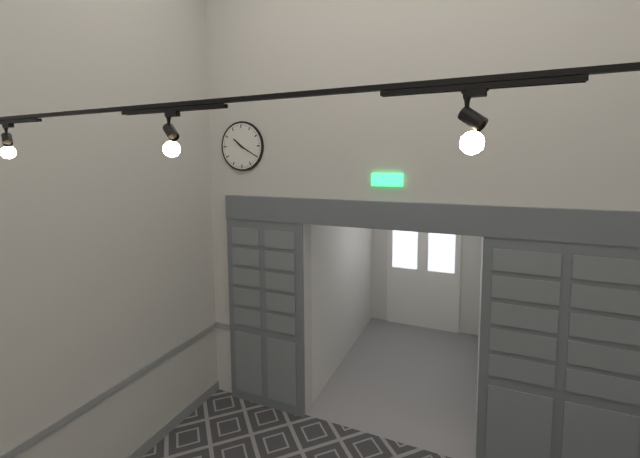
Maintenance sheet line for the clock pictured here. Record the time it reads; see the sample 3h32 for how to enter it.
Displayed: 10h20
